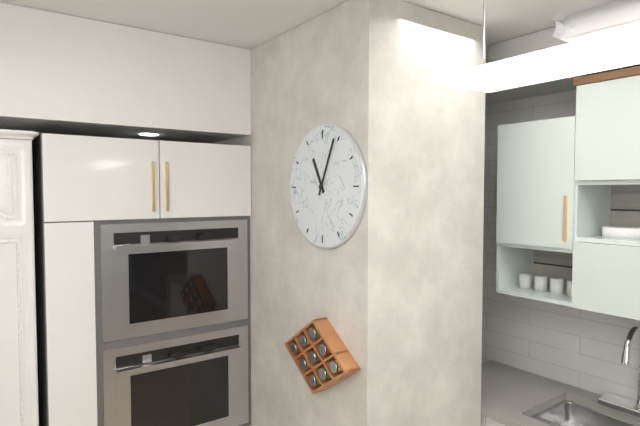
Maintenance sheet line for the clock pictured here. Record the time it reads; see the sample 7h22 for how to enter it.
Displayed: 11h04
